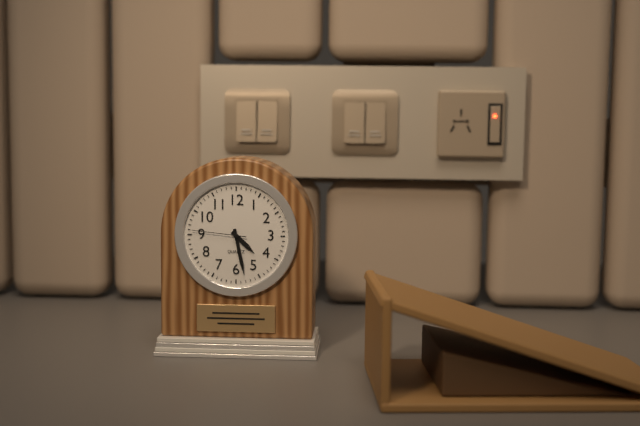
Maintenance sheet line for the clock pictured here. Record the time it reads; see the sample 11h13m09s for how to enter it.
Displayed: 4h28m46s
